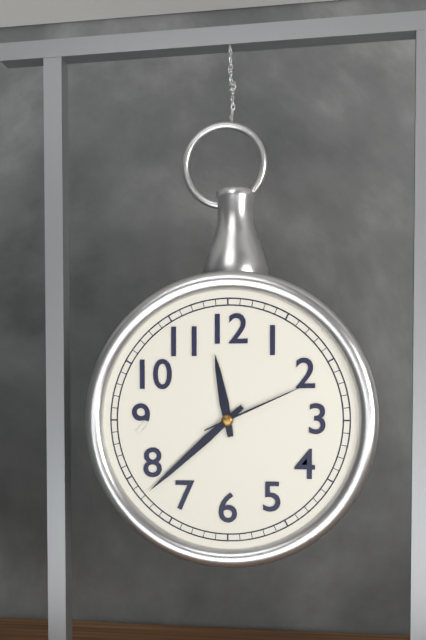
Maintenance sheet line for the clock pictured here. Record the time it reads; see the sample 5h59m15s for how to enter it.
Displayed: 11h38m11s
